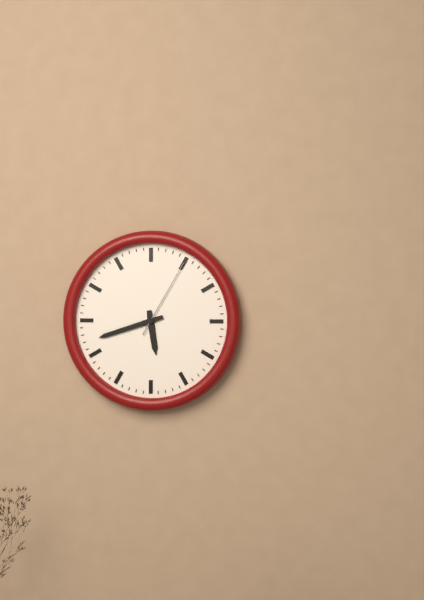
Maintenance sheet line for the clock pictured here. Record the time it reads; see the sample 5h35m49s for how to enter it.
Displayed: 5h42m05s
